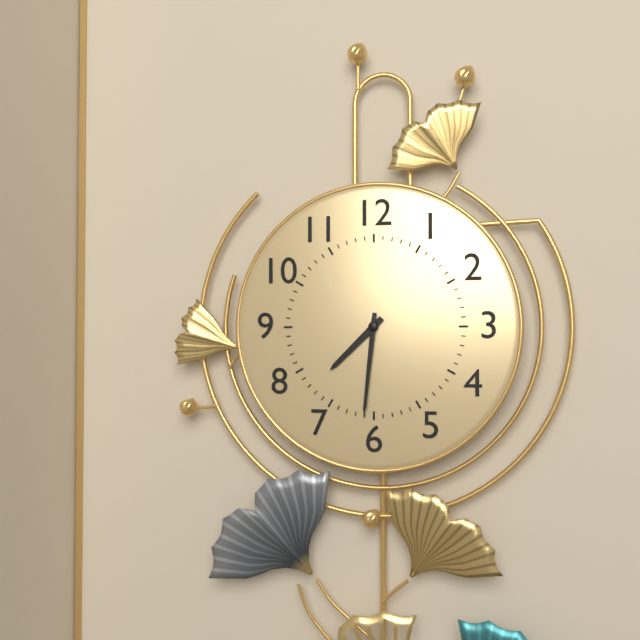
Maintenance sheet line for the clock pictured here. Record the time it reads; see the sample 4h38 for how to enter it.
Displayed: 7h31
